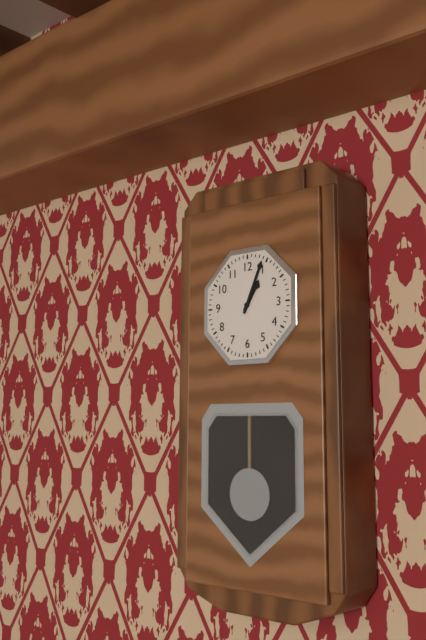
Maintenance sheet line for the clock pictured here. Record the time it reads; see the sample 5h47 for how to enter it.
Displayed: 1h04
